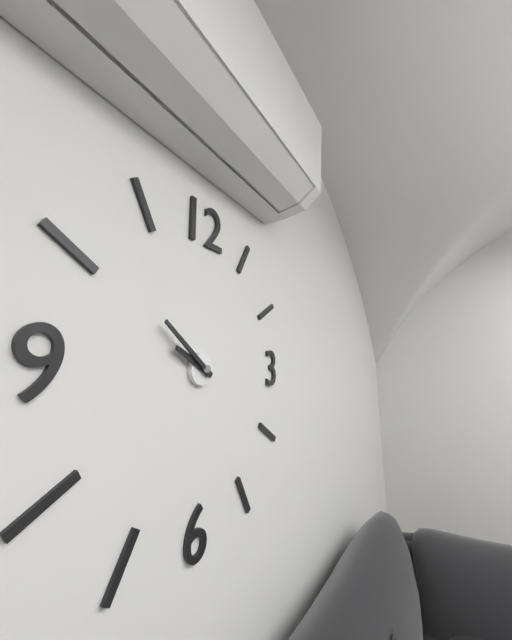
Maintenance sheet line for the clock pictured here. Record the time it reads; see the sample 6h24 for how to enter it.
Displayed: 9h51
